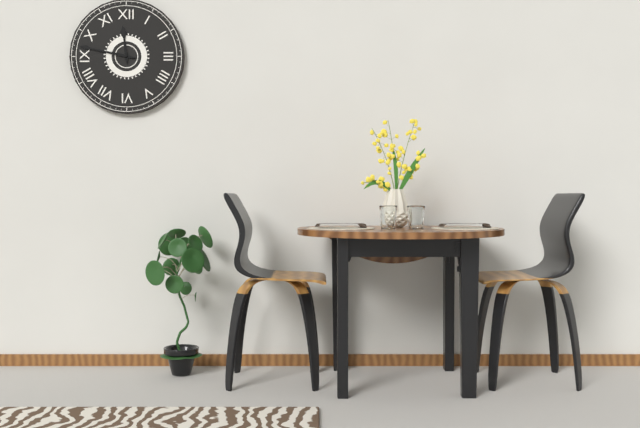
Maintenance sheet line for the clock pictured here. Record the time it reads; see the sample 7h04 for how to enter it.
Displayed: 11h47
